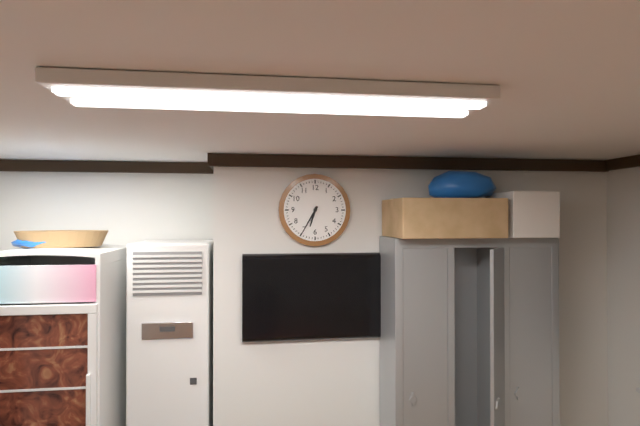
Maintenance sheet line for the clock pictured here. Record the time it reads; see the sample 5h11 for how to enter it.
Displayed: 6h35
